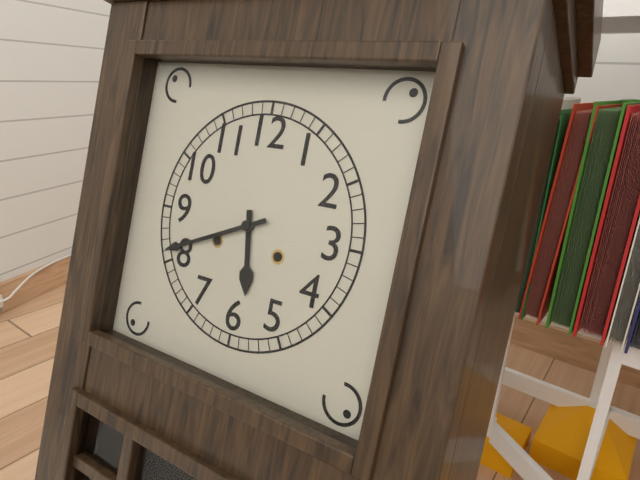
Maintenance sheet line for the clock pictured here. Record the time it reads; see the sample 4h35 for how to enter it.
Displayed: 5h41
